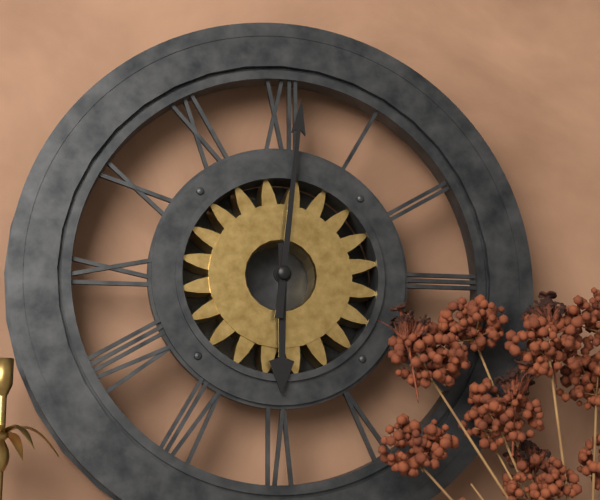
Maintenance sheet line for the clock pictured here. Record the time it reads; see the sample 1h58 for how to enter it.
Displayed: 6h01
